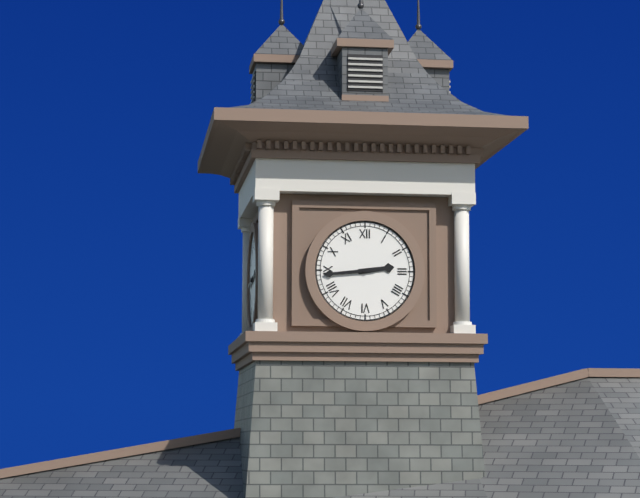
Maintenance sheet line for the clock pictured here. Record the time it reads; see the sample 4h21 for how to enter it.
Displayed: 2h44
